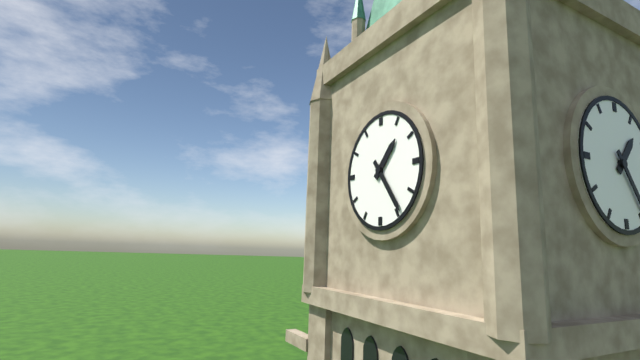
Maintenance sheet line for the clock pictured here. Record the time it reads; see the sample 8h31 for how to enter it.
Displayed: 1h24
